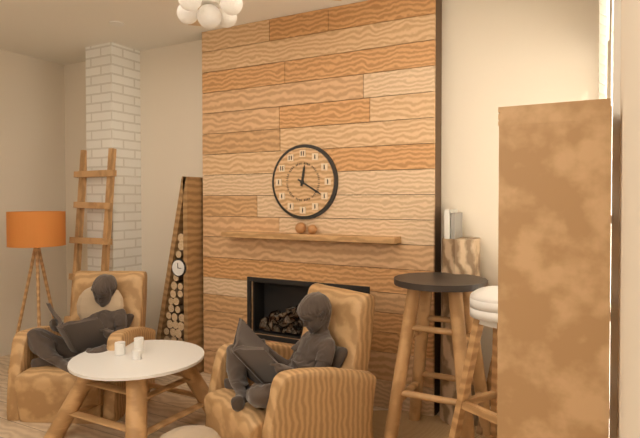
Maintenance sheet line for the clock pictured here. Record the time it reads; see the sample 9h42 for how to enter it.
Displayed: 12h20
